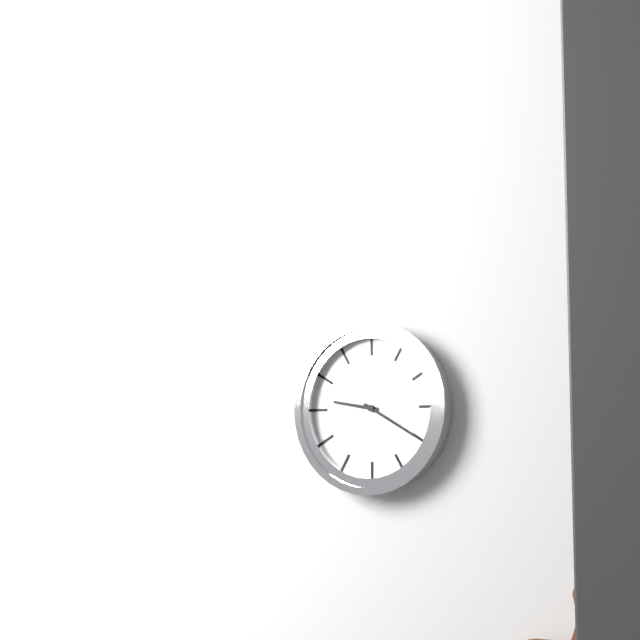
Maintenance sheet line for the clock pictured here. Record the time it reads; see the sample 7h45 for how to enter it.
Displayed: 9h20
